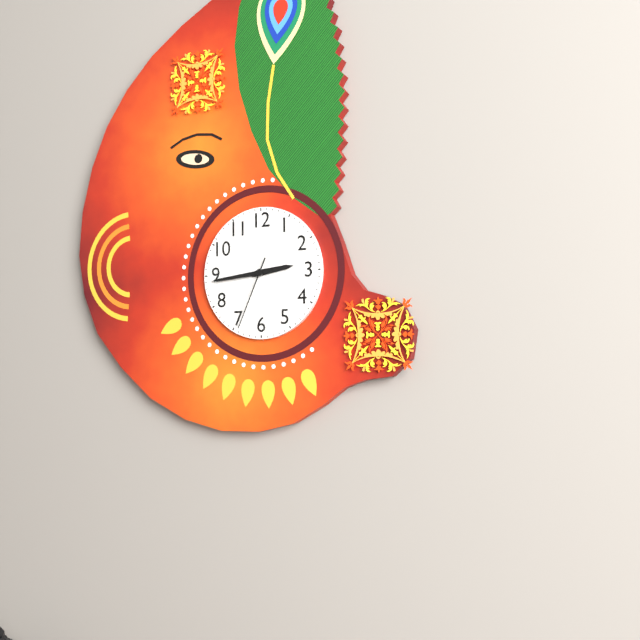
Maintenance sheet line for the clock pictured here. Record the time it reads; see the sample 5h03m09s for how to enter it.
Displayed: 2h44m34s
